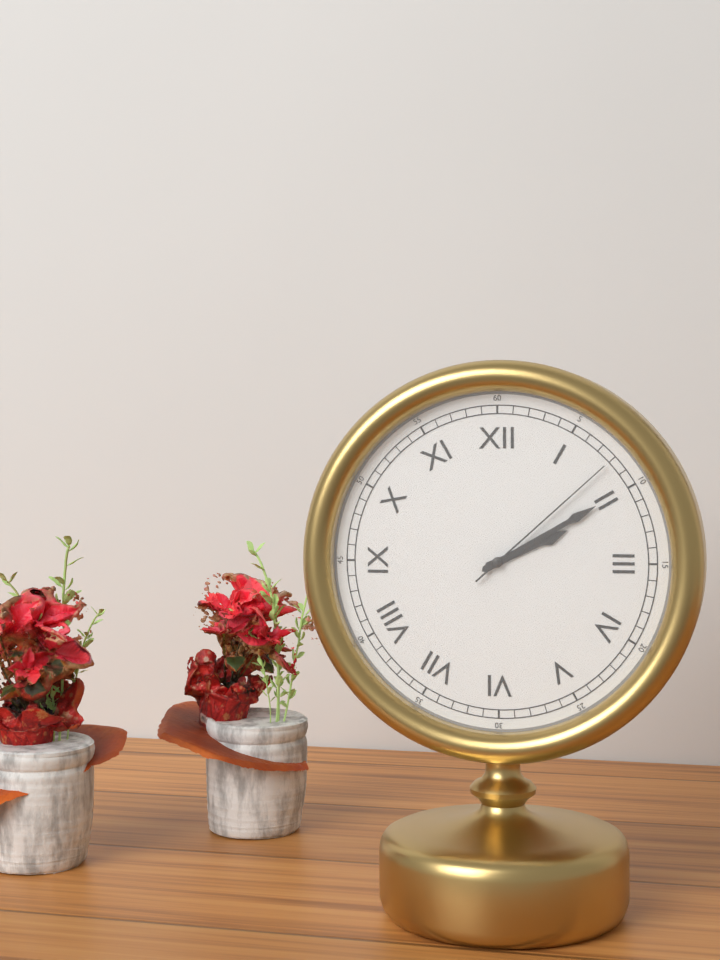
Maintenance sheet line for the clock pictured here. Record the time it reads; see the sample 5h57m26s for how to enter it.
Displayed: 2h10m08s
